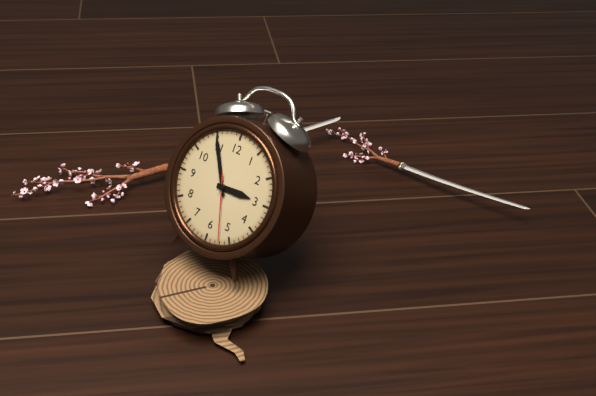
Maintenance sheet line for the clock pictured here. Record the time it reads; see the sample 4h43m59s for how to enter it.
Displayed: 2h55m27s
